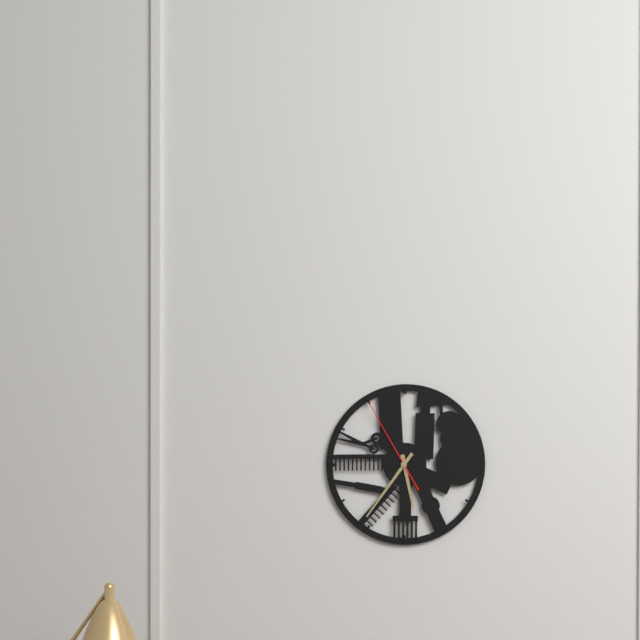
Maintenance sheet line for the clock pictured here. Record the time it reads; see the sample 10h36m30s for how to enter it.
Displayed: 5h36m55s
